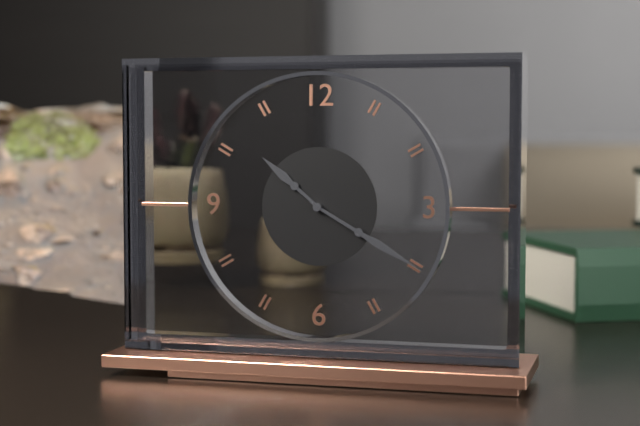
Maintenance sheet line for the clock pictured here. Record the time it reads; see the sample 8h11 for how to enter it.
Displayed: 10h20
